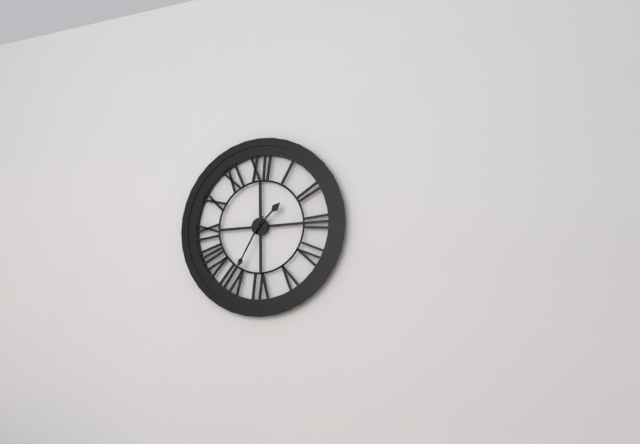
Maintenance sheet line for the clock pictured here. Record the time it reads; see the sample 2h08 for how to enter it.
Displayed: 1h35
